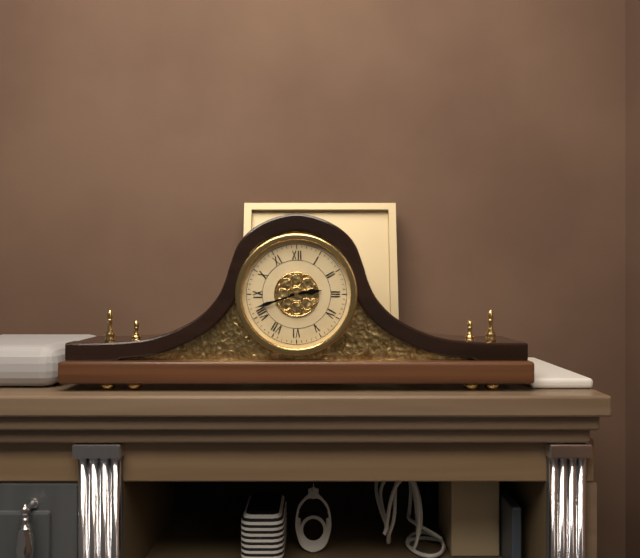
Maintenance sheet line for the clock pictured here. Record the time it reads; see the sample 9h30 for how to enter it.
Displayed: 2h42
